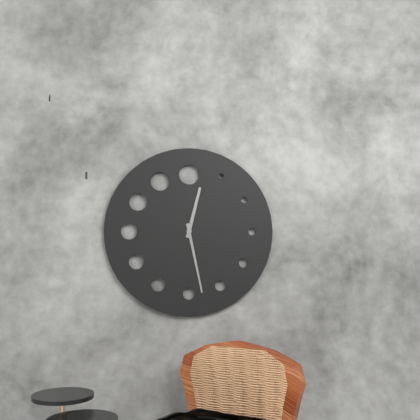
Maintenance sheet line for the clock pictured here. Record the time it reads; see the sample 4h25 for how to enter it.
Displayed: 12h28
